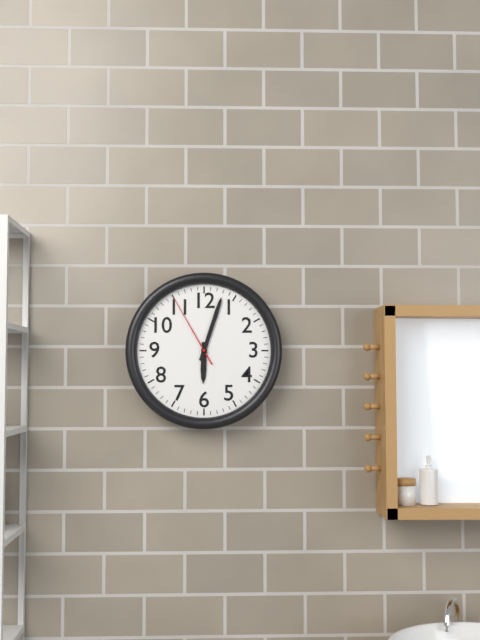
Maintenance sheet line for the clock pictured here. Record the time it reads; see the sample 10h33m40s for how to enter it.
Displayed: 6h03m55s
